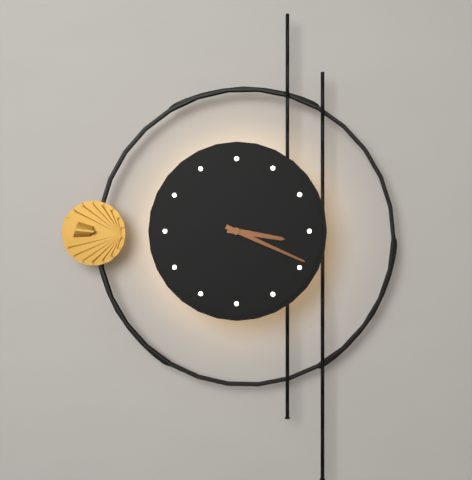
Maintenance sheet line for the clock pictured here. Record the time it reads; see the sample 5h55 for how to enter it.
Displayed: 3h19
